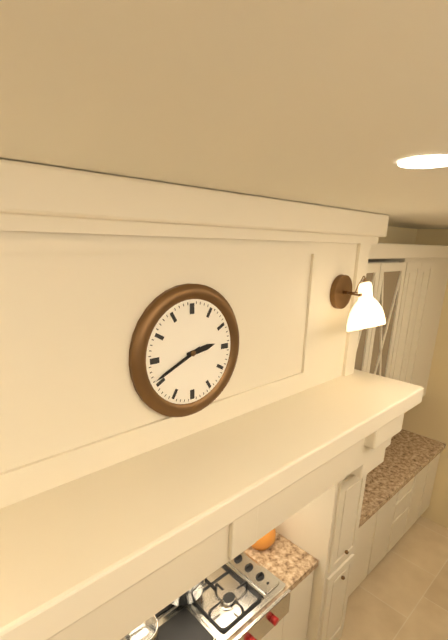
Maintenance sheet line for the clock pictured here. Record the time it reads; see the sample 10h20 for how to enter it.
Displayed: 2h41
